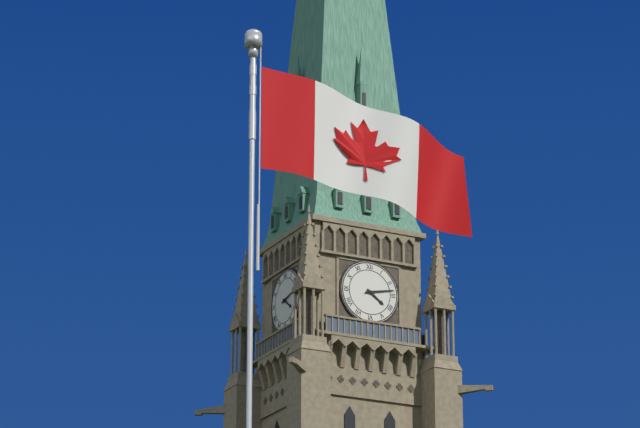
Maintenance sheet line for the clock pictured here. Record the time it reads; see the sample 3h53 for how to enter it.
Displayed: 4h13
